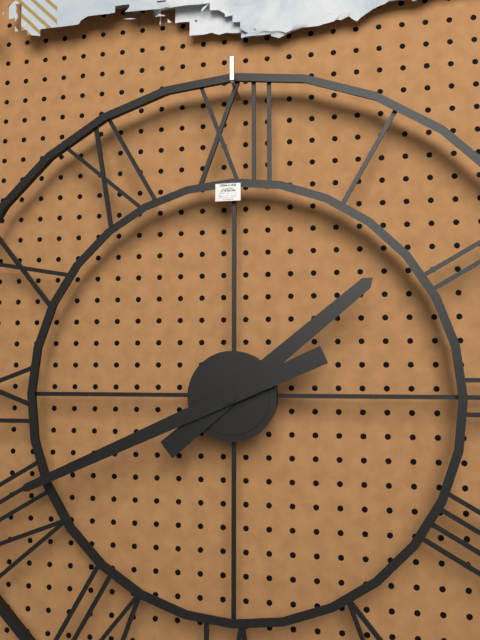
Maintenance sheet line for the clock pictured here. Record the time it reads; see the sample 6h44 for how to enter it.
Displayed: 1h41
